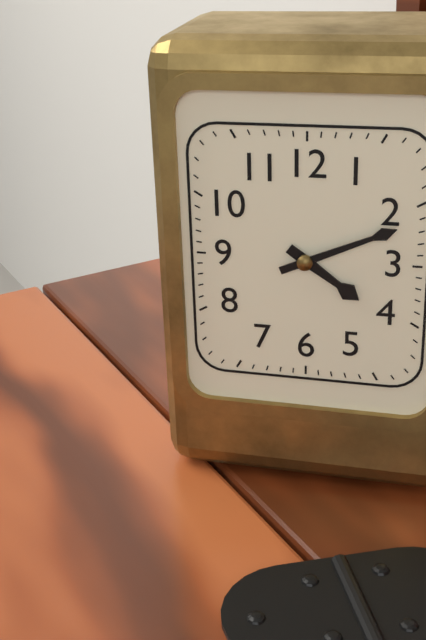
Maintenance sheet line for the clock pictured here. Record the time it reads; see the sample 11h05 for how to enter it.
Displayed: 4h11
